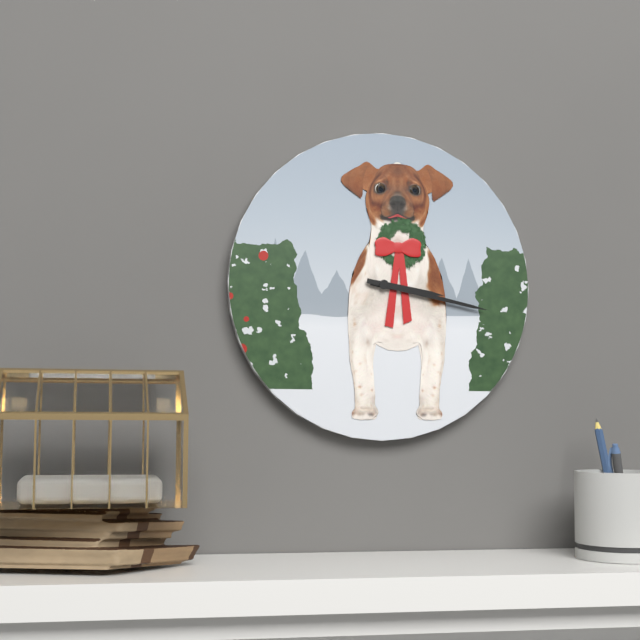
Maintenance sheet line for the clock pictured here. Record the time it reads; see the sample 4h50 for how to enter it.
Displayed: 3h17
